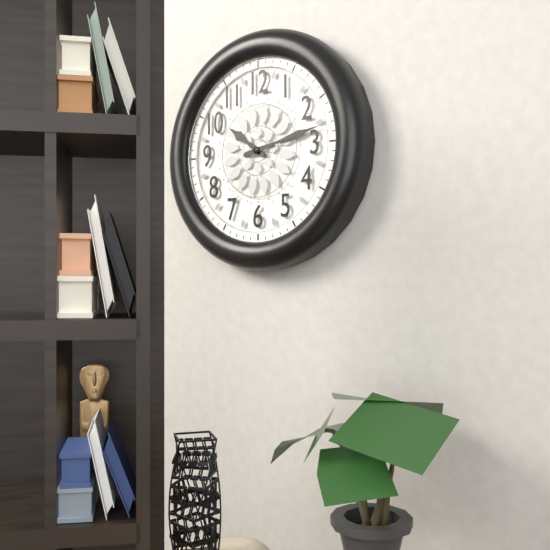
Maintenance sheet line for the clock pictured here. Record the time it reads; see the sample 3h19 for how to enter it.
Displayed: 10h13
